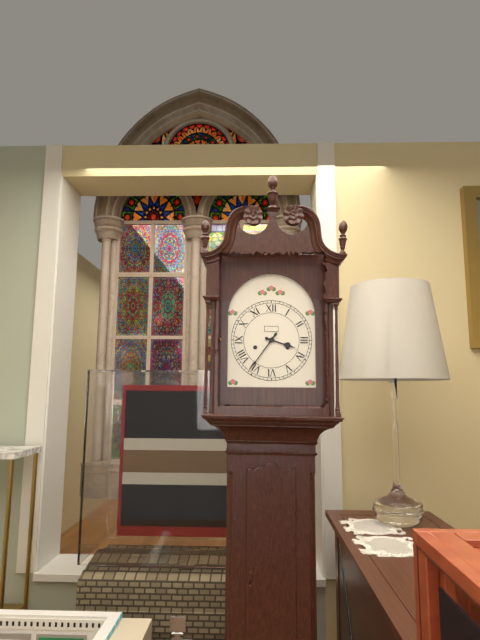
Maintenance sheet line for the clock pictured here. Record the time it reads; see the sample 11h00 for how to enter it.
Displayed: 3h36
